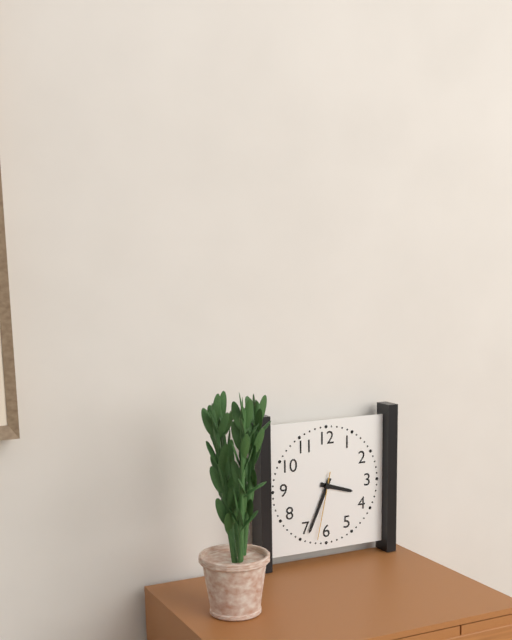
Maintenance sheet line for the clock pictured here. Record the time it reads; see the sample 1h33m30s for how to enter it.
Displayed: 3h34m32s
